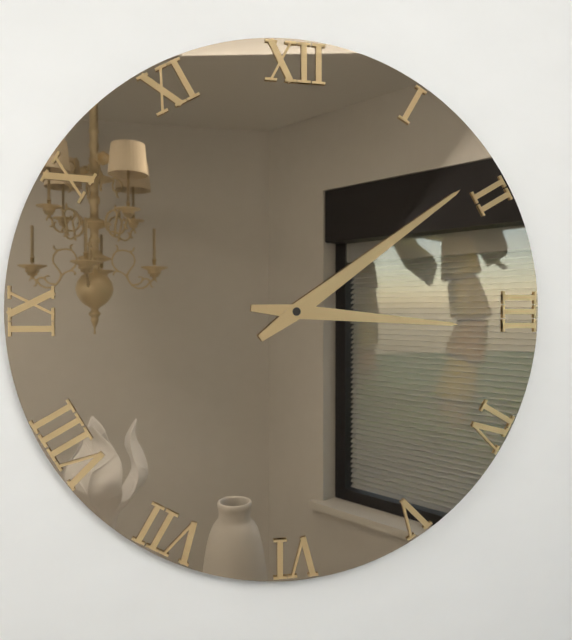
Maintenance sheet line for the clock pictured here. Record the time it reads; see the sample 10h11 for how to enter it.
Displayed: 3h09
